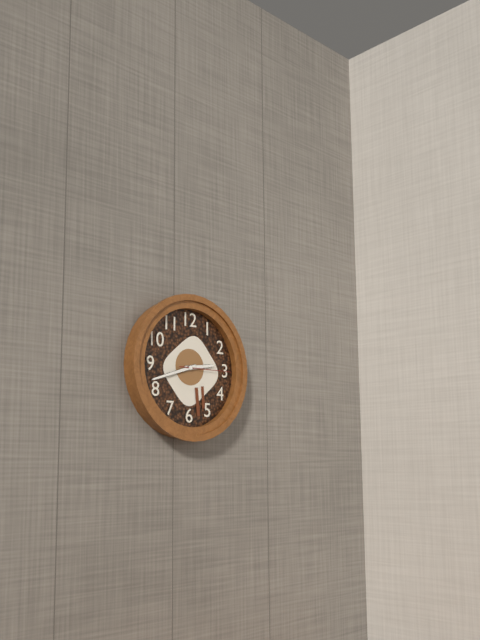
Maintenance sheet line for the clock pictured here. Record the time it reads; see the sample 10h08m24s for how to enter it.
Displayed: 2h42m15s
